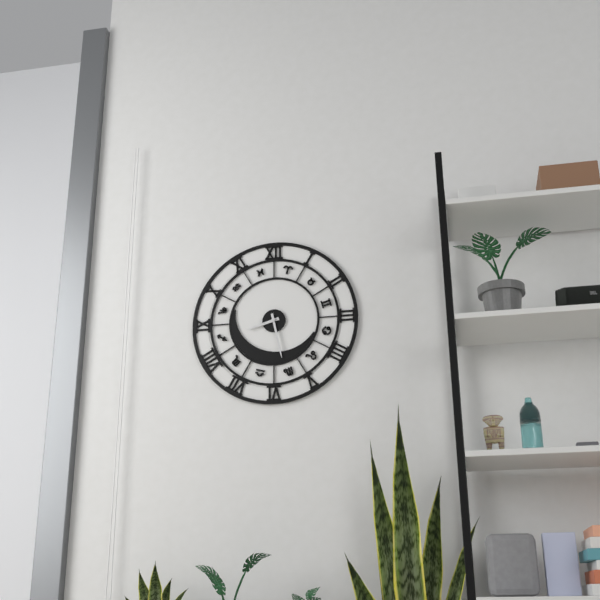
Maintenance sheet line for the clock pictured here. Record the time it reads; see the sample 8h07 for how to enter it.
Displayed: 8h28
